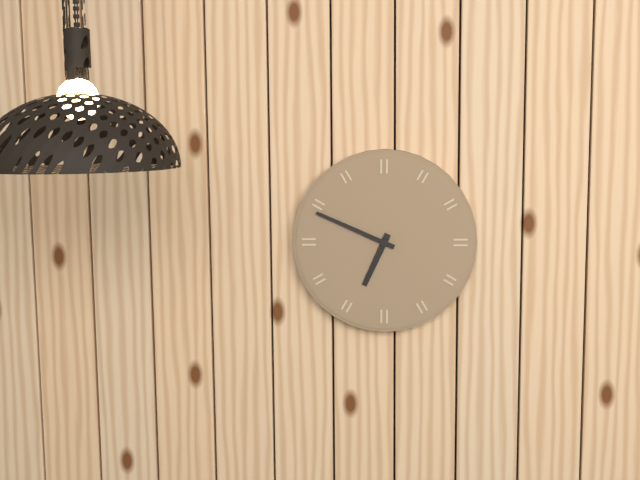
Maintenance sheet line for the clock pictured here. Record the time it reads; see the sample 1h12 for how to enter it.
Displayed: 6h49
